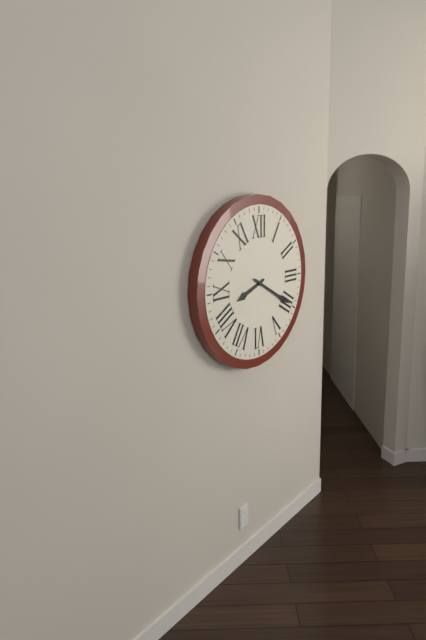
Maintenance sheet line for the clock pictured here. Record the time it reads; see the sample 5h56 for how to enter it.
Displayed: 8h20
